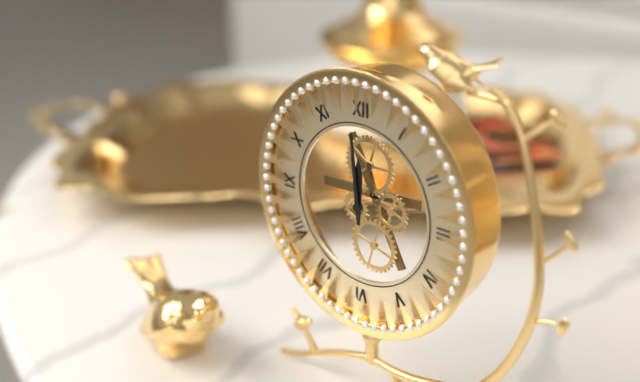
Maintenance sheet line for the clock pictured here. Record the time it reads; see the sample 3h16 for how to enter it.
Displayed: 11h59
